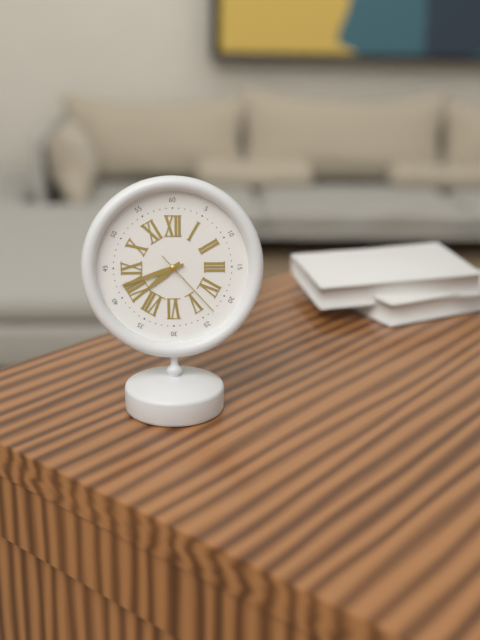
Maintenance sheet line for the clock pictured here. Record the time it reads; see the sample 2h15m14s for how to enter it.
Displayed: 7h42m23s
